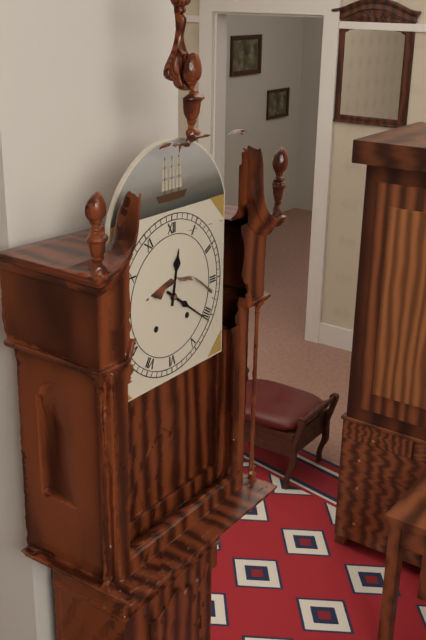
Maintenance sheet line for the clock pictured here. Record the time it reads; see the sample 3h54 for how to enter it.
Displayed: 12h21
